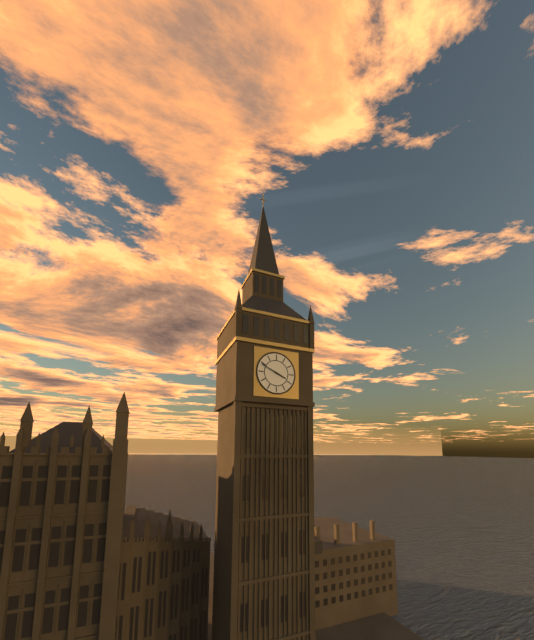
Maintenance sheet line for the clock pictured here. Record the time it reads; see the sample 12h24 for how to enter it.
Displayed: 3h49
